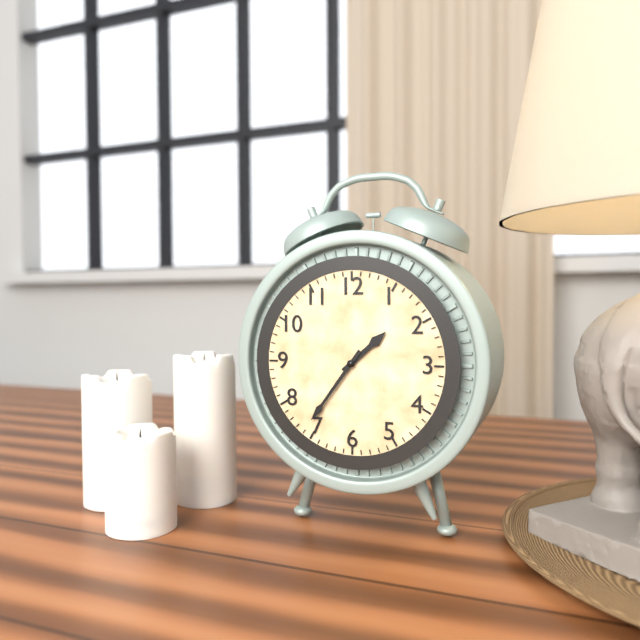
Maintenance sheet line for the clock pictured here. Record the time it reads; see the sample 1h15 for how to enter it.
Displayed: 1h36
